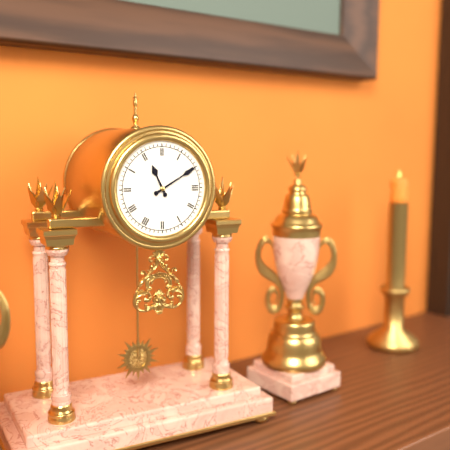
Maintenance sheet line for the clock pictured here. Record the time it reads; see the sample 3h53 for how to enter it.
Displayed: 11h10
